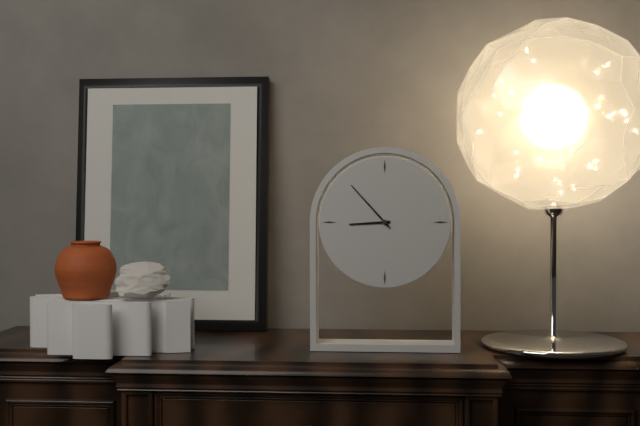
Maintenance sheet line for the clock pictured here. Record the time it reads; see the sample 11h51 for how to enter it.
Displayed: 8h53
